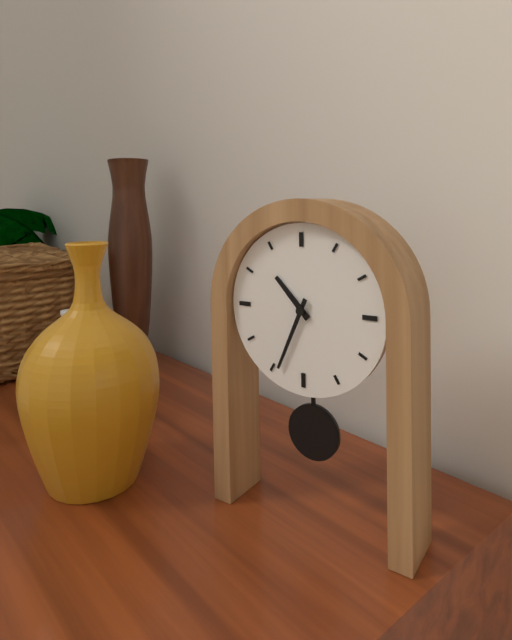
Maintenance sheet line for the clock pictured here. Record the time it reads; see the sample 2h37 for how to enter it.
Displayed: 10h34
